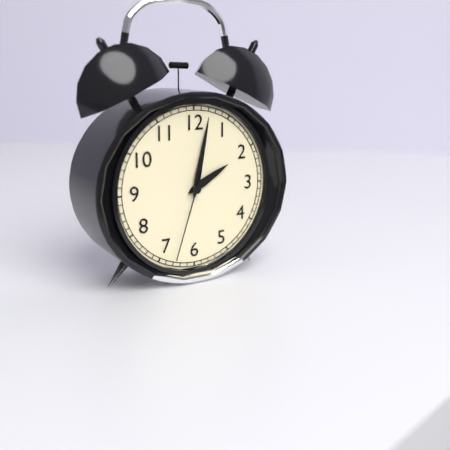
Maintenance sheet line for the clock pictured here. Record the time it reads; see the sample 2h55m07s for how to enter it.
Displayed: 2h02m33s
